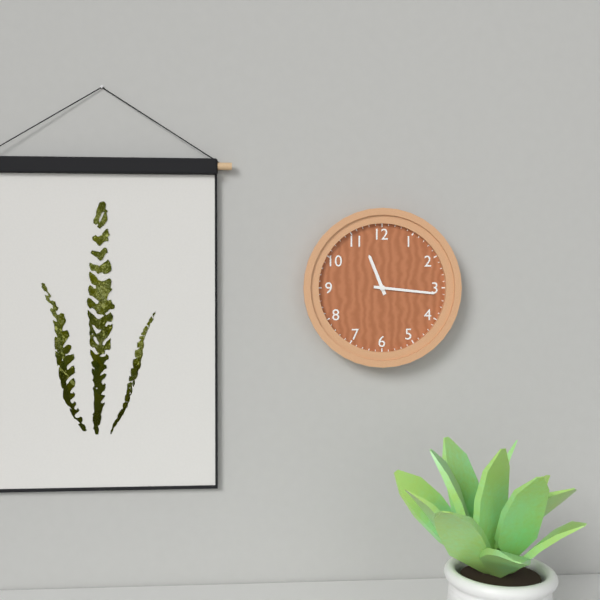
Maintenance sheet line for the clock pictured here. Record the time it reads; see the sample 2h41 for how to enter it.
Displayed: 11h16
